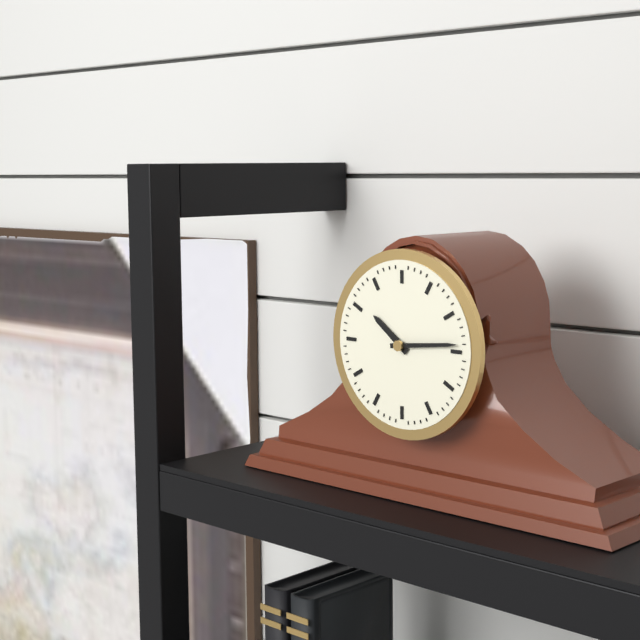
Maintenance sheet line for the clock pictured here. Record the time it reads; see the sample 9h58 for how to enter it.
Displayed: 10h14
